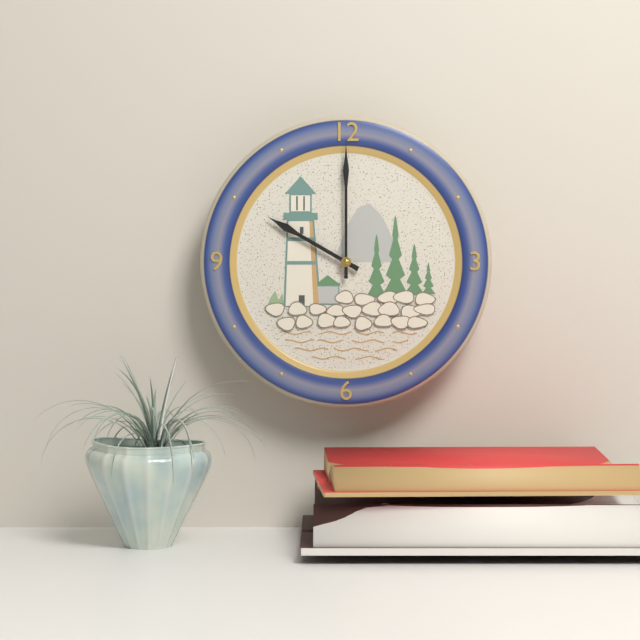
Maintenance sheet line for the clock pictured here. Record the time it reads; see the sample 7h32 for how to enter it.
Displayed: 10h00
